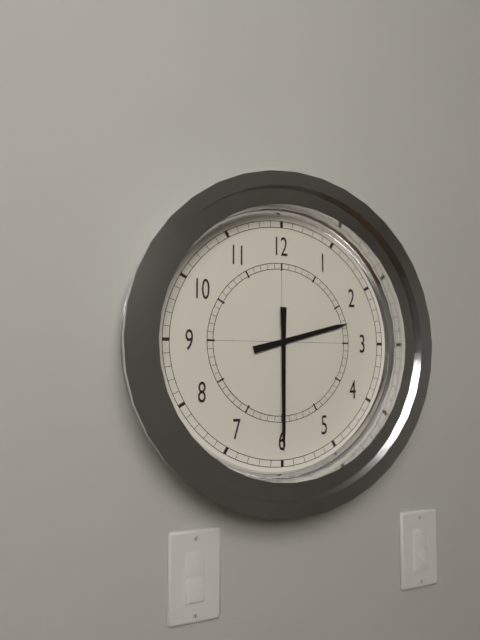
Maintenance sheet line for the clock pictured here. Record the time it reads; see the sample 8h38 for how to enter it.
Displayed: 2h30
